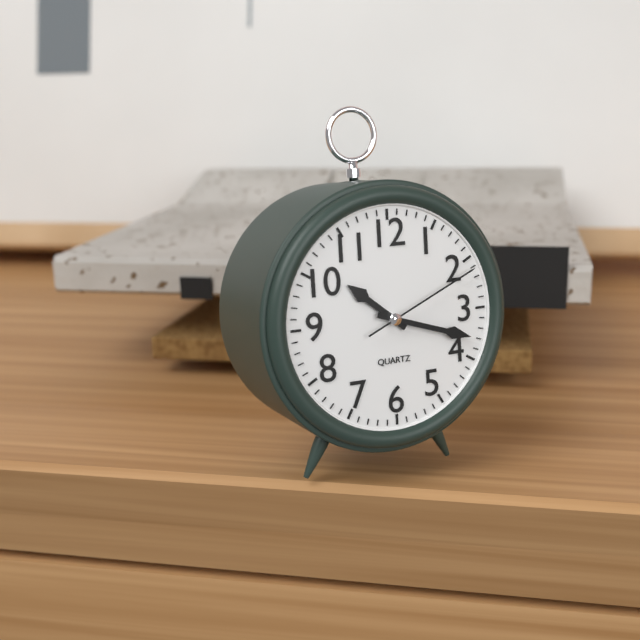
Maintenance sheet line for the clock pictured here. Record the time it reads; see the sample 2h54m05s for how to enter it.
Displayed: 10h18m11s
